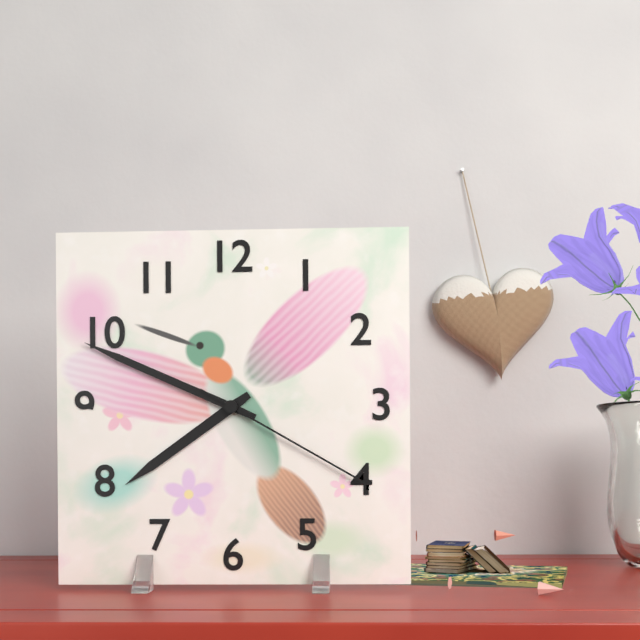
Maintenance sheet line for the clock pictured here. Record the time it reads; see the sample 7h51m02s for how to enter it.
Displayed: 7h49m20s
